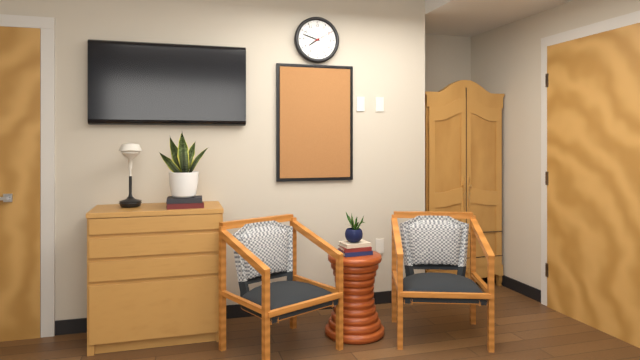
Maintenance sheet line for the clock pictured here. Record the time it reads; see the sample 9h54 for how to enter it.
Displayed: 7h48
